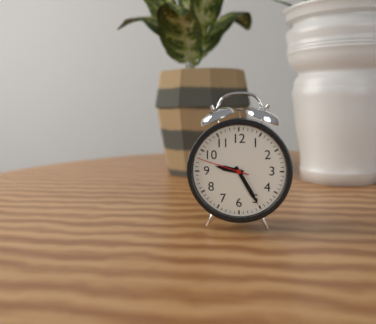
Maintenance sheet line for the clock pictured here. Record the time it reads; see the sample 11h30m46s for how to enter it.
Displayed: 9h25m48s
